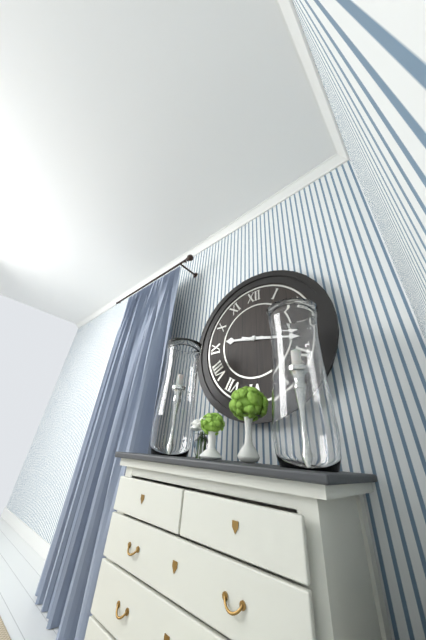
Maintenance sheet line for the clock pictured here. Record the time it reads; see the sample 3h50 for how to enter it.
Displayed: 9h17
